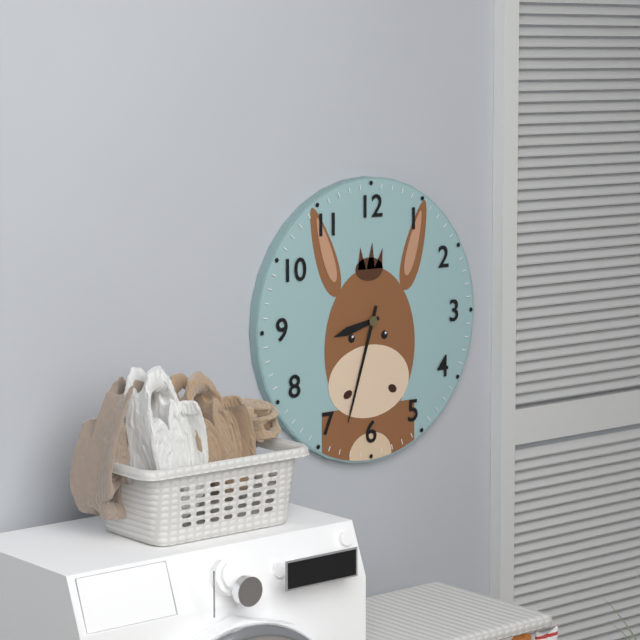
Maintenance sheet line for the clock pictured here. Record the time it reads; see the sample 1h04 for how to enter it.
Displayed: 8h33
